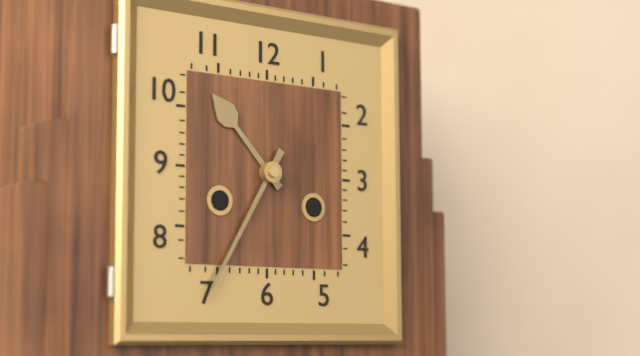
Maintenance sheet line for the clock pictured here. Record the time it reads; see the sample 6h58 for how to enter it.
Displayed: 10h35
